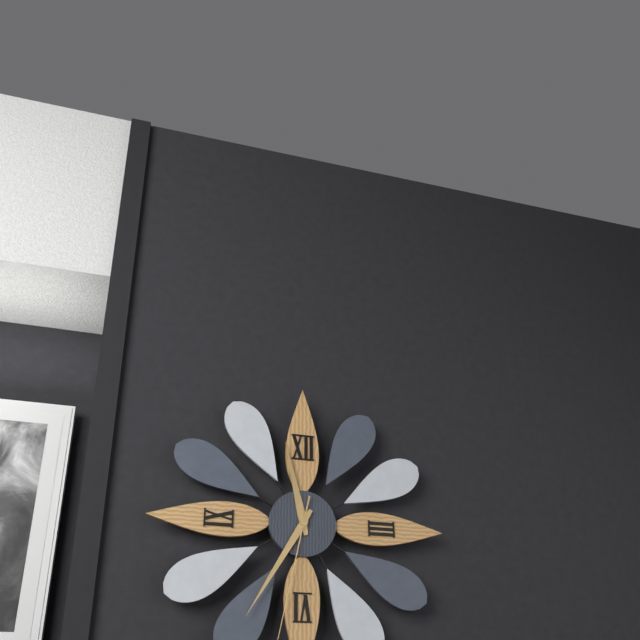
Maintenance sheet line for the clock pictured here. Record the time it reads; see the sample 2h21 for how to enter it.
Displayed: 11h35
